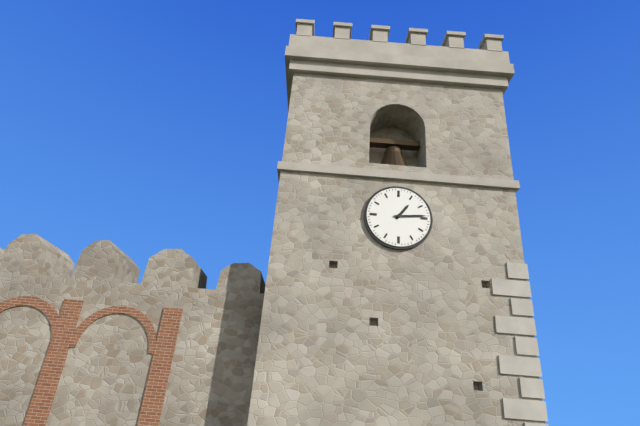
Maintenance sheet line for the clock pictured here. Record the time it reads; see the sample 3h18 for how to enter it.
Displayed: 1h14
